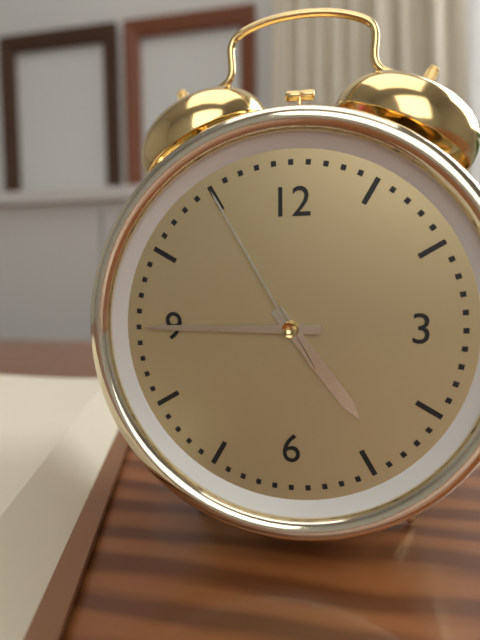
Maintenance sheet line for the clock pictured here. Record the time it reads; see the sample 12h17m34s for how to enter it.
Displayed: 4h45m55s
